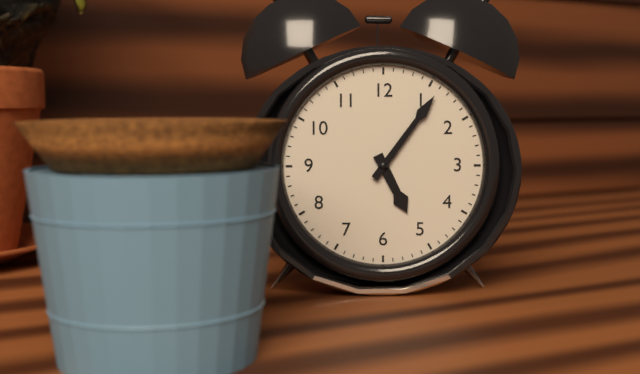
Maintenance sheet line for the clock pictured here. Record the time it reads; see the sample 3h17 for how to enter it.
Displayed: 5h06
